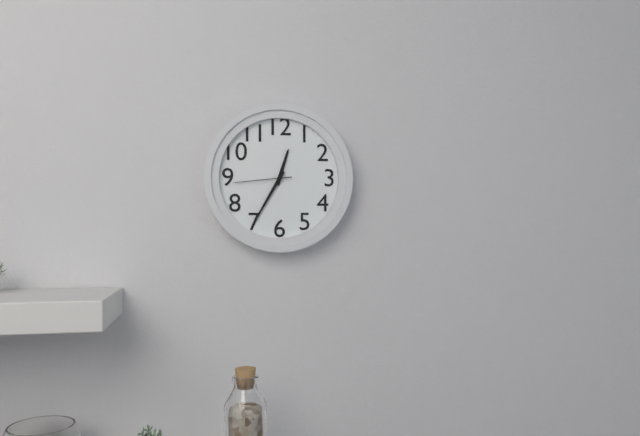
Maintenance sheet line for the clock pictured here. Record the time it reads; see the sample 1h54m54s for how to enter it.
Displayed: 12h35m44s
